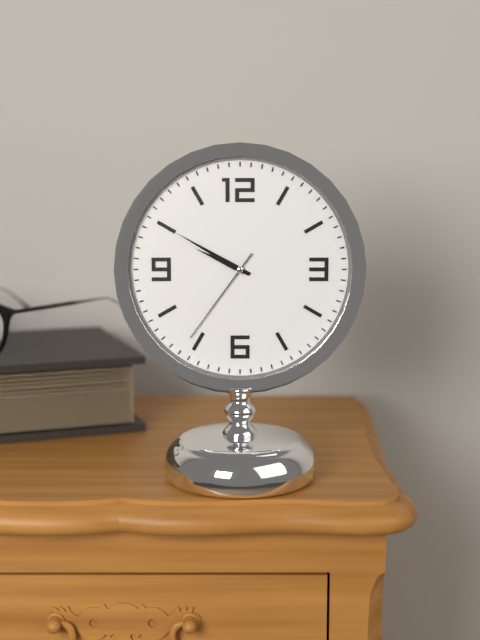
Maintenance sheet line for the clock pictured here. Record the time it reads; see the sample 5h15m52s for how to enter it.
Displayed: 9h50m36s
